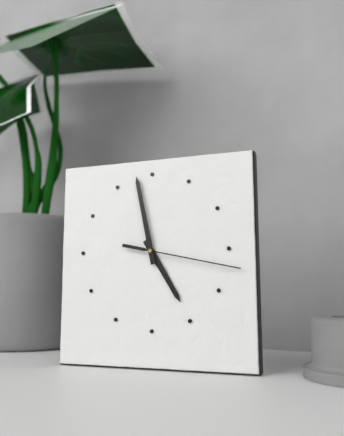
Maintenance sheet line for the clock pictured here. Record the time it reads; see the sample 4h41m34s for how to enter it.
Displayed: 4h58m17s
